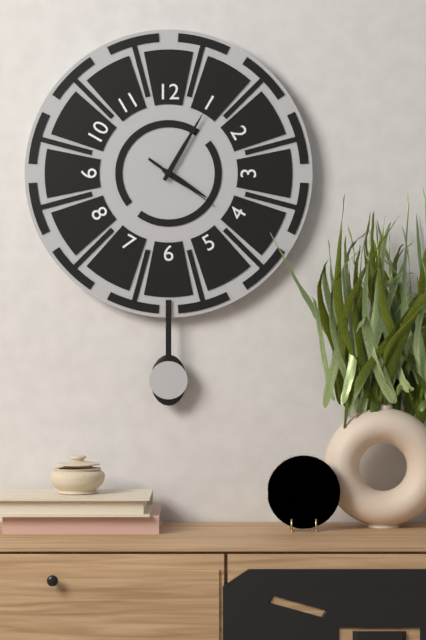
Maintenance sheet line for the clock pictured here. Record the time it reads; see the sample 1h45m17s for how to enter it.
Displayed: 4h05m21s
